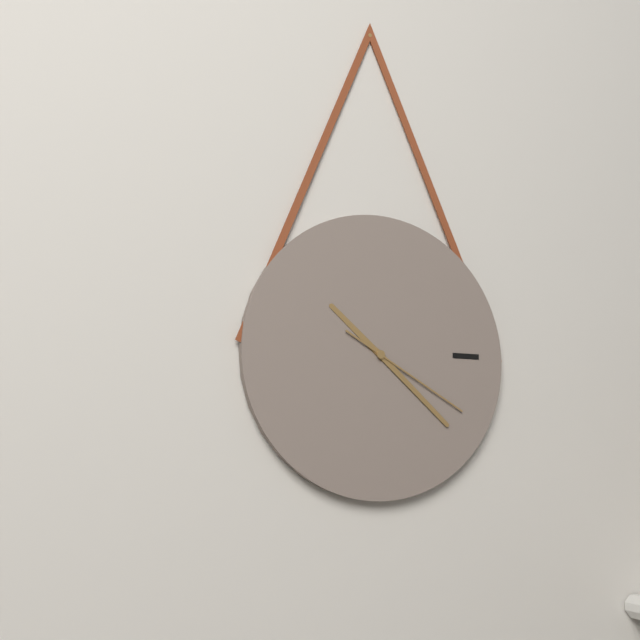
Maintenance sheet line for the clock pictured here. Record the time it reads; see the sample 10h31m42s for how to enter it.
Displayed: 10h22m20s
